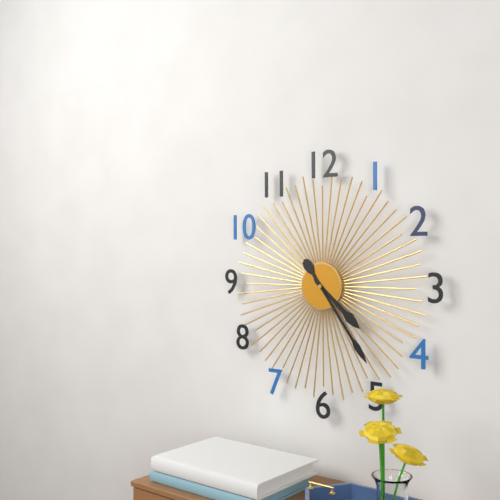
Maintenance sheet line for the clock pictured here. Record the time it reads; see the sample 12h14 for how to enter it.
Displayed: 4h24
